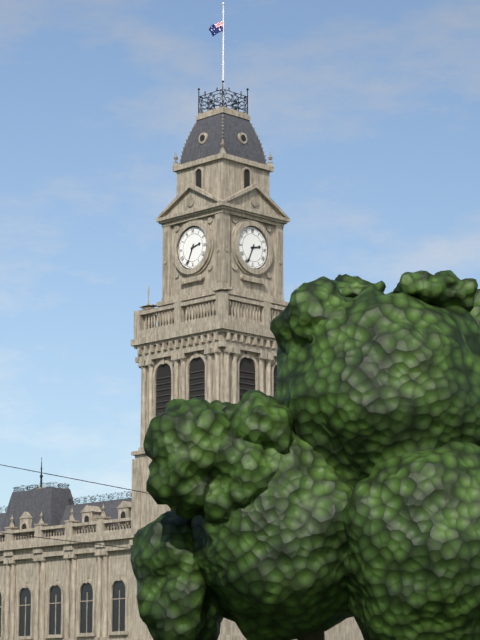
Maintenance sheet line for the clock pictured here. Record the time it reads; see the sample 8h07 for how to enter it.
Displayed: 2h34
